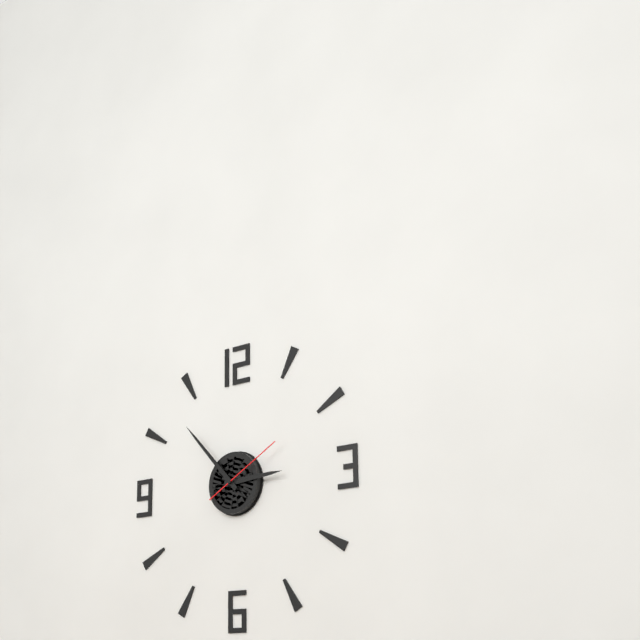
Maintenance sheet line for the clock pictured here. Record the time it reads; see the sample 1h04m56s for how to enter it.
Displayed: 2h53m10s
